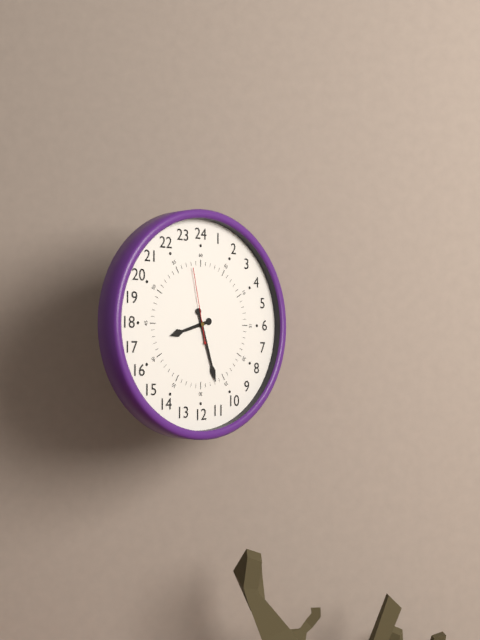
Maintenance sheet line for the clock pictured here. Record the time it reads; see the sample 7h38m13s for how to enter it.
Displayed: 8h27m58s
